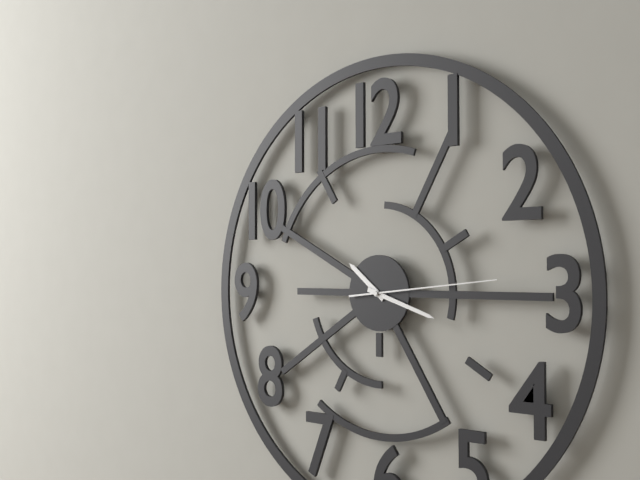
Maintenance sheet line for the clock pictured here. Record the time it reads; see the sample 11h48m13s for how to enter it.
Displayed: 10h18m14s
